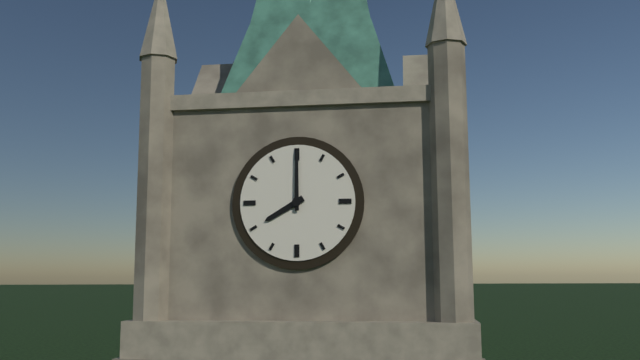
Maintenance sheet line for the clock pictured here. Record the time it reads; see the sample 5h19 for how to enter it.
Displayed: 8h00
